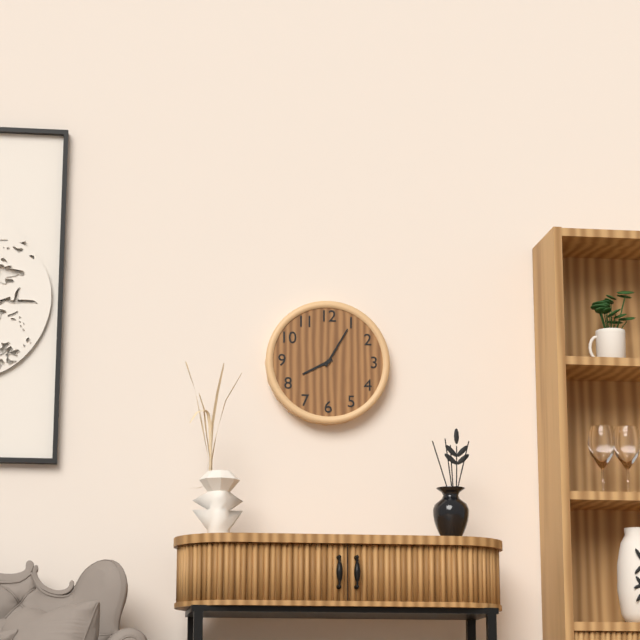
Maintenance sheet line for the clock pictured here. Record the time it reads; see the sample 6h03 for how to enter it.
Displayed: 8h05
